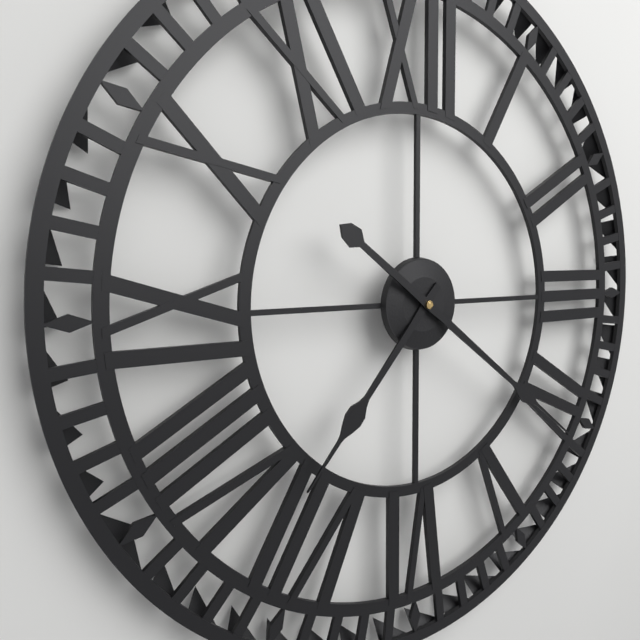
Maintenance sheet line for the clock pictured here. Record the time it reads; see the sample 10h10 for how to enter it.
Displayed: 7h21
